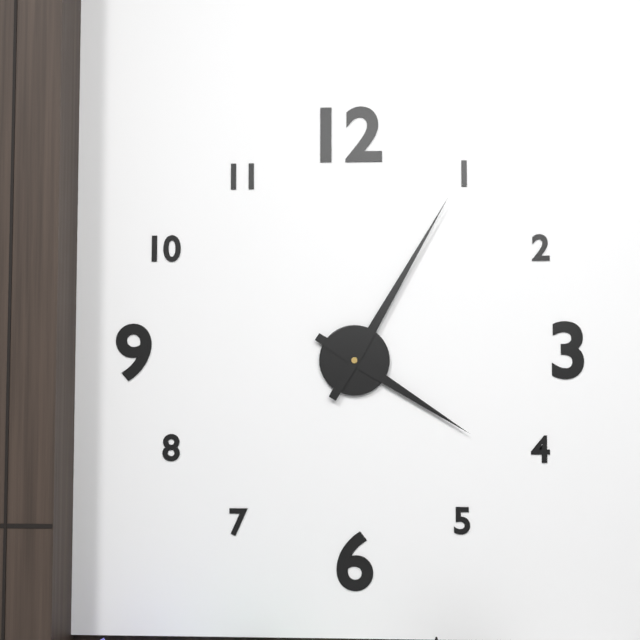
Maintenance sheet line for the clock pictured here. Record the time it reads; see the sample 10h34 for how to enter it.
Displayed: 4h05
